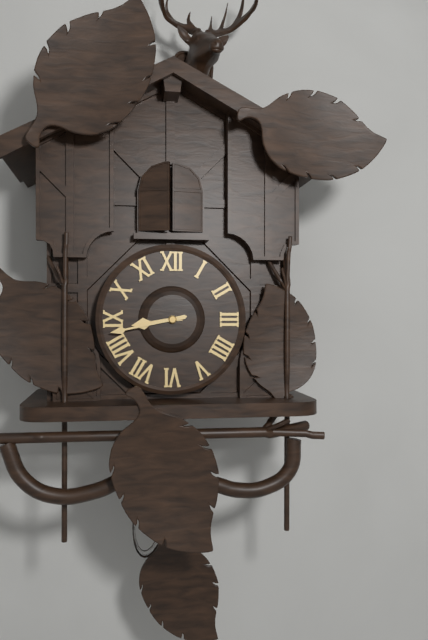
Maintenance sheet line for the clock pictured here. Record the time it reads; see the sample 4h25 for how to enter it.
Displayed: 8h43
